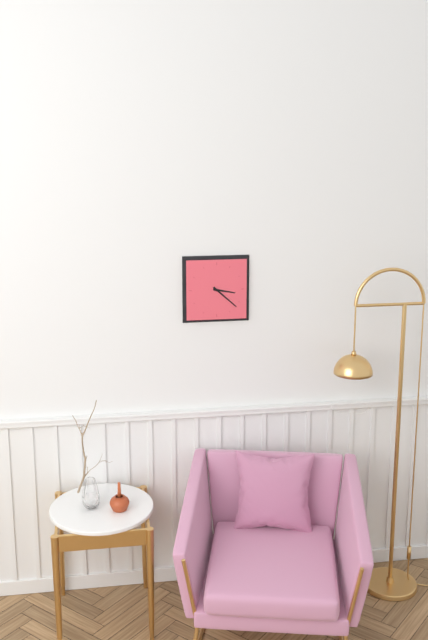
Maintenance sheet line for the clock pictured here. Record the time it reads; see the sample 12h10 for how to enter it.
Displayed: 3h22
